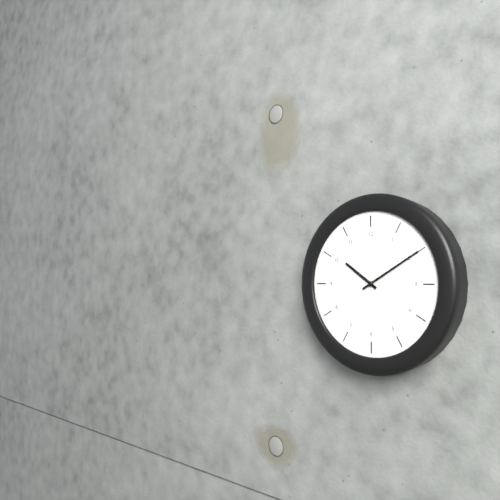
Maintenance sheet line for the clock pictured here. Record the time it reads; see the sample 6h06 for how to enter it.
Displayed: 10h10
